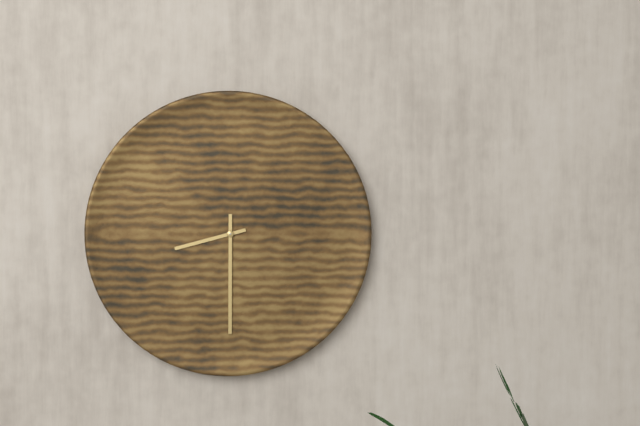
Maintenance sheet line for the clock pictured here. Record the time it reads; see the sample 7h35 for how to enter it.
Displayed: 8h30
